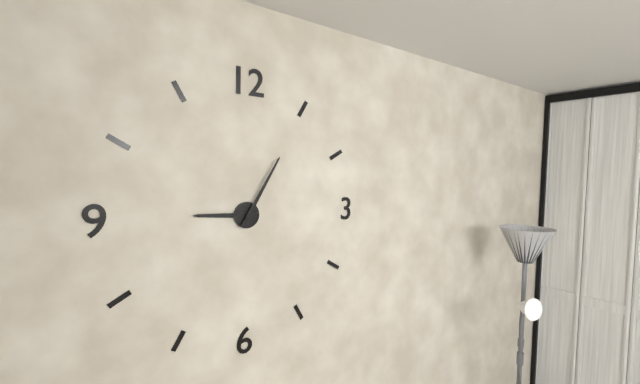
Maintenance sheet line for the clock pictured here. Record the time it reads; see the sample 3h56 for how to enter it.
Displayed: 9h05
